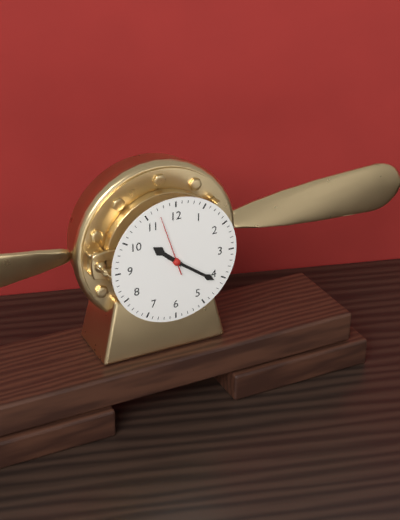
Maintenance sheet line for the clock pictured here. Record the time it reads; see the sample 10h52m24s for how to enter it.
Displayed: 10h21m57s
